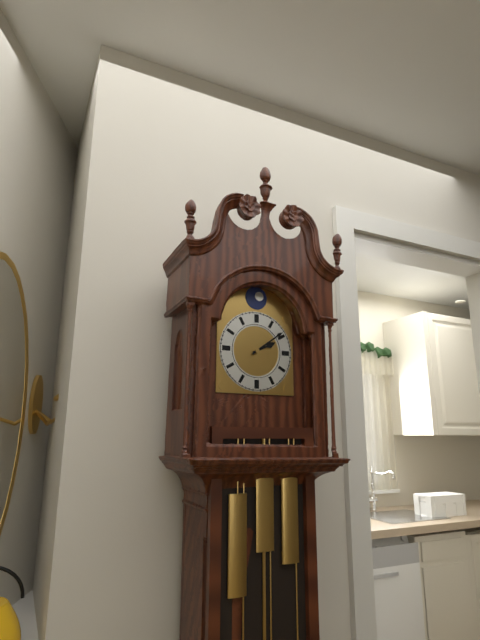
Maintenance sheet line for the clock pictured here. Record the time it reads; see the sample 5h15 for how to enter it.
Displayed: 2h09
